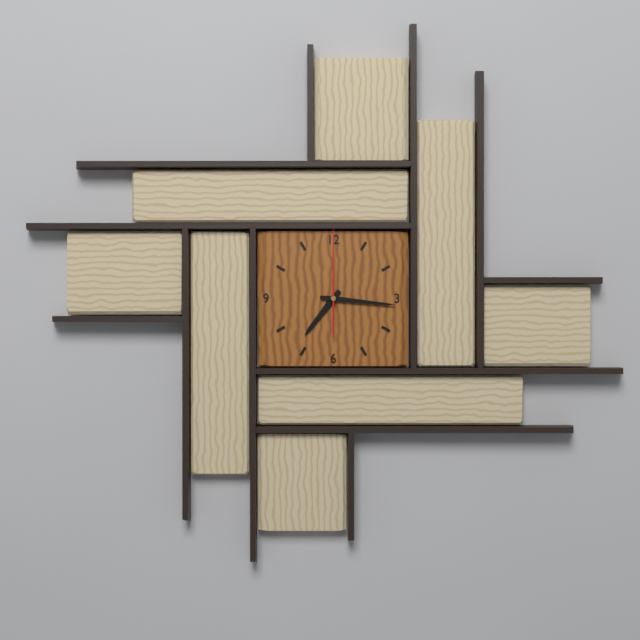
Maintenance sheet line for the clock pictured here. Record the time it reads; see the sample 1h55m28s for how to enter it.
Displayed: 7h16m00s
